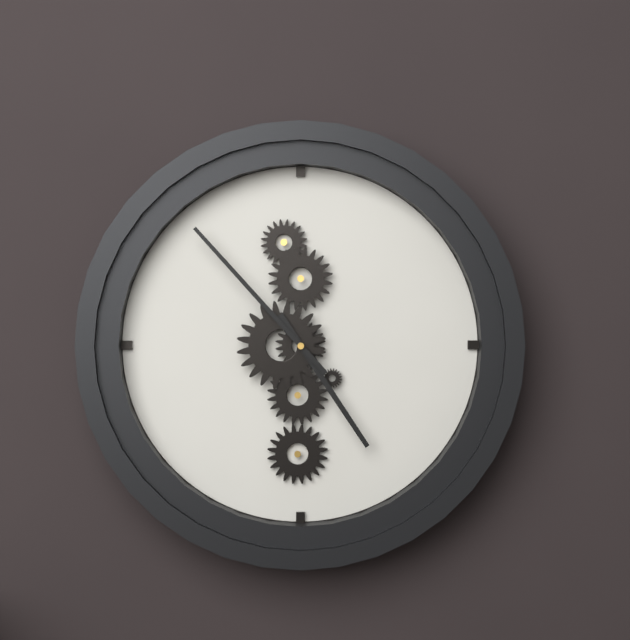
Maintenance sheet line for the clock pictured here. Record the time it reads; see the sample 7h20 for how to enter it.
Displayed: 4h53
